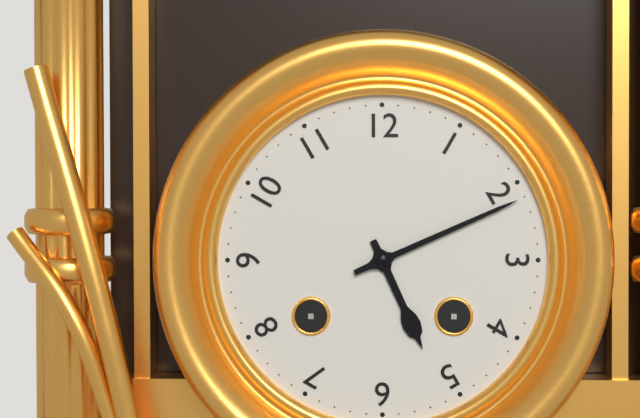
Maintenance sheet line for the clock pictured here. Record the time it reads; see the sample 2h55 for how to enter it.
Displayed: 5h11
